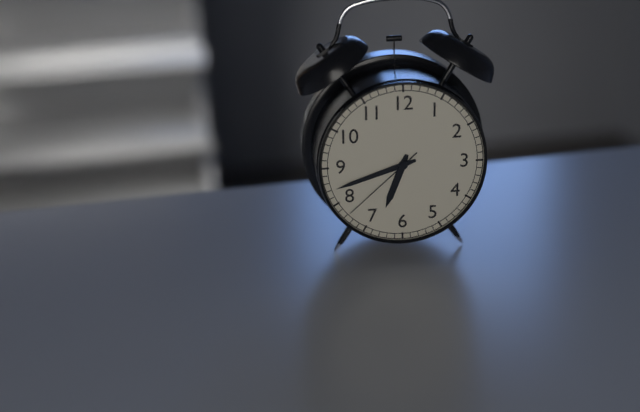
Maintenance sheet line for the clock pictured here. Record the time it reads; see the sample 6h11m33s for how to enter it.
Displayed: 6h42m38s
